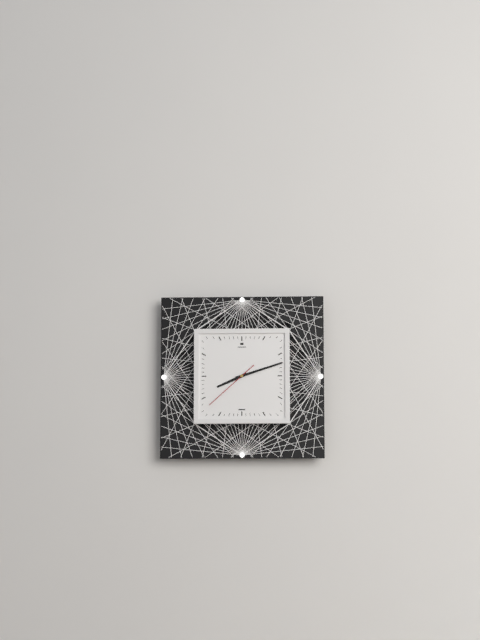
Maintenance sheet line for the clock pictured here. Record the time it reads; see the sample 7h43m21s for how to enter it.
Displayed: 8h12m38s
